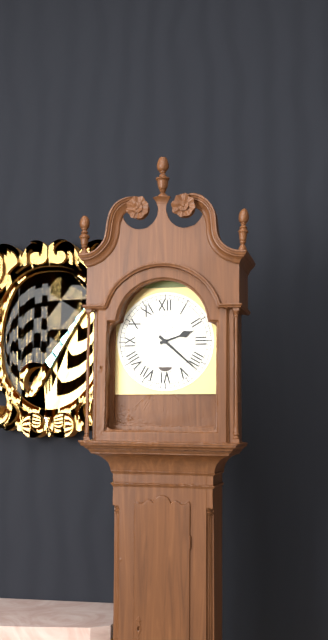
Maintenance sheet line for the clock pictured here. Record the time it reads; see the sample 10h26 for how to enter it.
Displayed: 2h22
